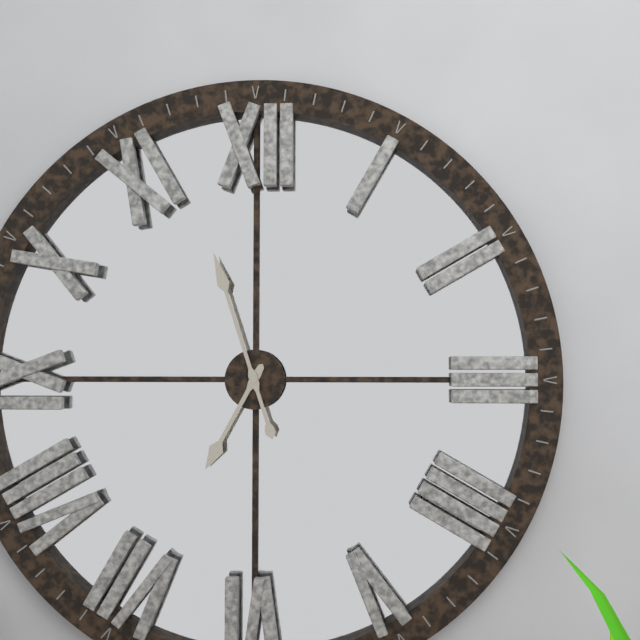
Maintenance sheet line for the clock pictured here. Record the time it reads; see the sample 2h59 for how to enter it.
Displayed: 6h57
